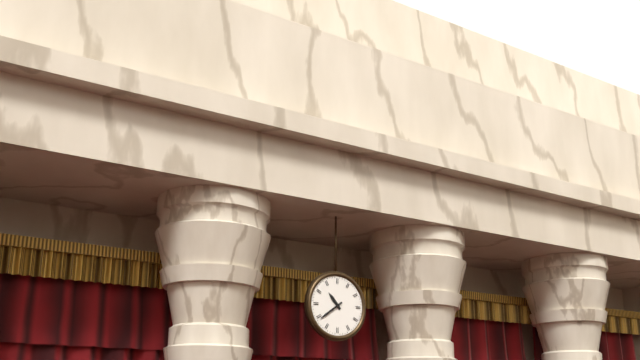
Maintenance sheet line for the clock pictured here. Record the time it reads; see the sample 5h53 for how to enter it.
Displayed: 10h39
